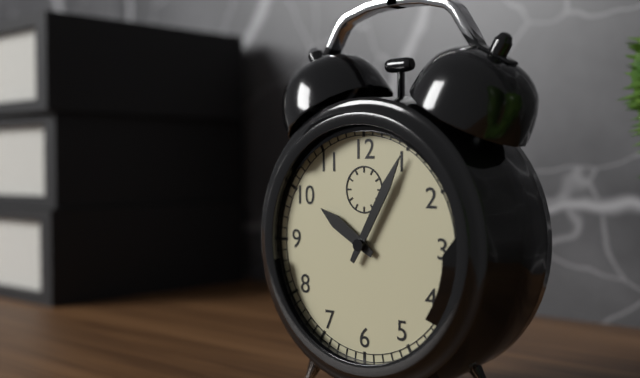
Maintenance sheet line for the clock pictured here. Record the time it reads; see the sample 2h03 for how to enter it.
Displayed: 10h05
